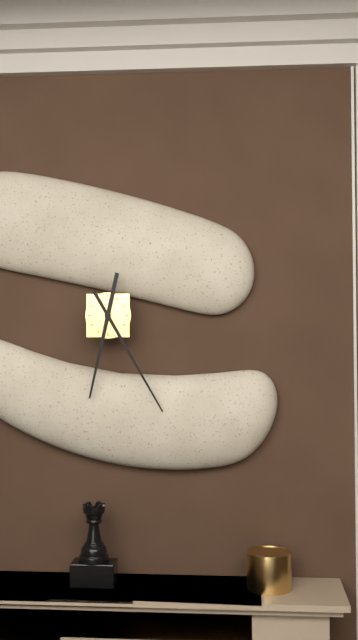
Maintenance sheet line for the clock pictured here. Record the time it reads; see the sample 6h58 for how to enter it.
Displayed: 6h25
